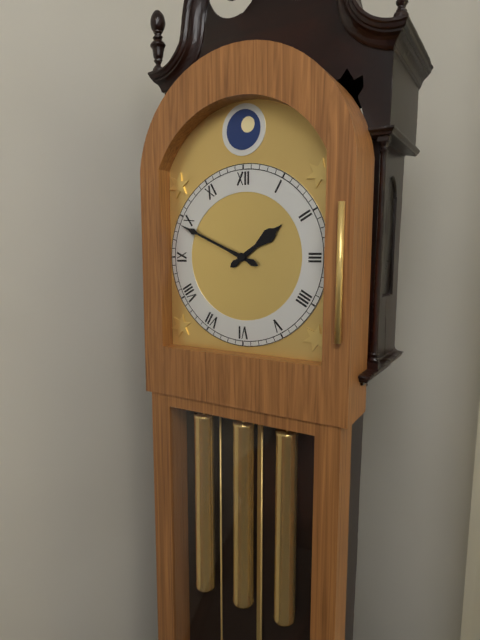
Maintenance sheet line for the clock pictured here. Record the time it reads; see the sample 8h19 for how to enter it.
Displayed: 1h49
